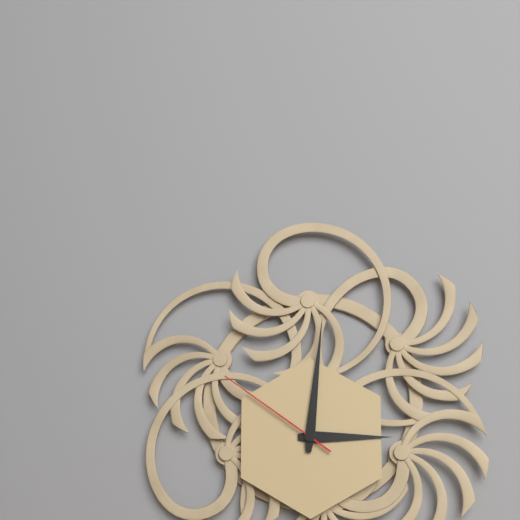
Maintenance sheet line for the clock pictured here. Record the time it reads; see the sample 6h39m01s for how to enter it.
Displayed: 3h01m51s
